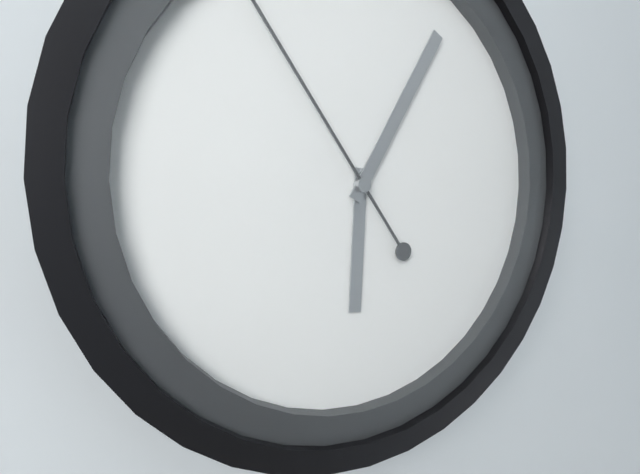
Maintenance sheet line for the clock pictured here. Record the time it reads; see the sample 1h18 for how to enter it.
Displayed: 6h05
